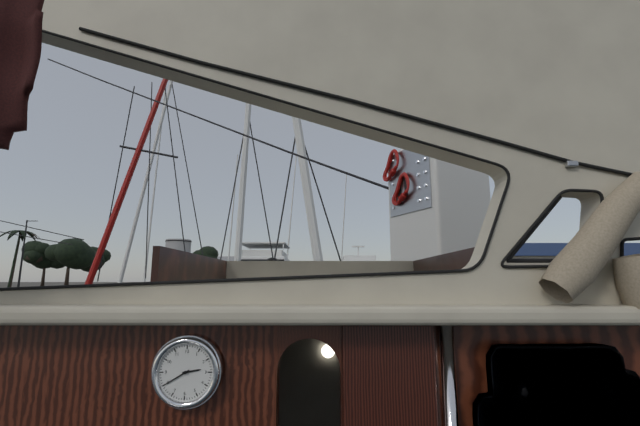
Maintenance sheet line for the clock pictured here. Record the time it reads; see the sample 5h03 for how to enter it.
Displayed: 2h40
